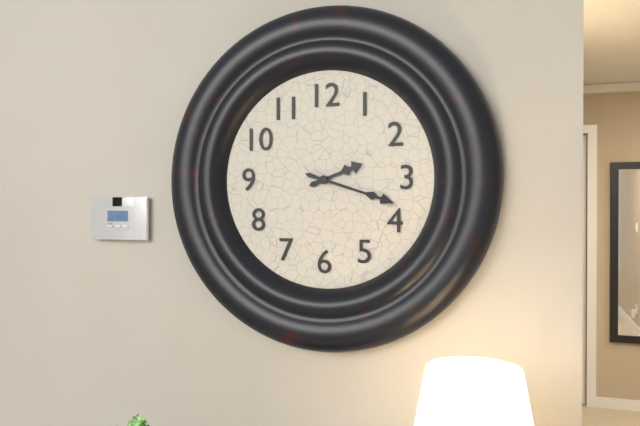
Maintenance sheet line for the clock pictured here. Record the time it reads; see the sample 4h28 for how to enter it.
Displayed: 2h18
